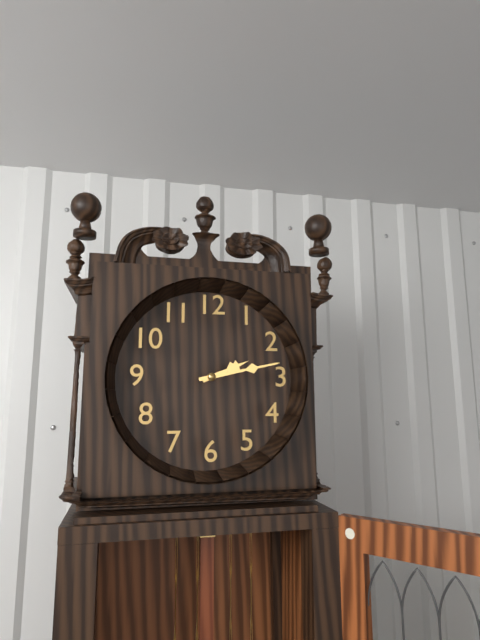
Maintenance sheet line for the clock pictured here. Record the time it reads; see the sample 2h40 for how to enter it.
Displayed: 2h13
